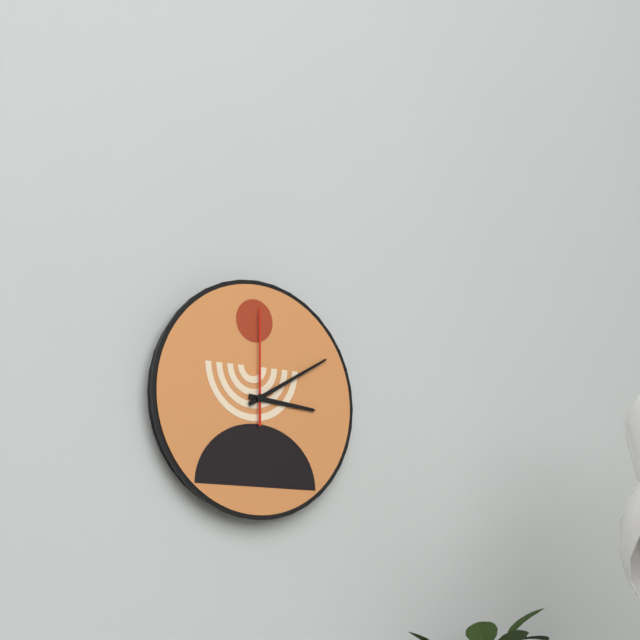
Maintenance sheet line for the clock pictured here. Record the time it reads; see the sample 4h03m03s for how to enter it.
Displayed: 3h10m00s
